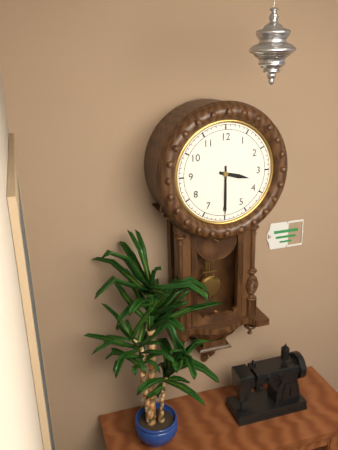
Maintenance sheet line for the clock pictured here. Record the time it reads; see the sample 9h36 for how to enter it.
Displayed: 3h30
